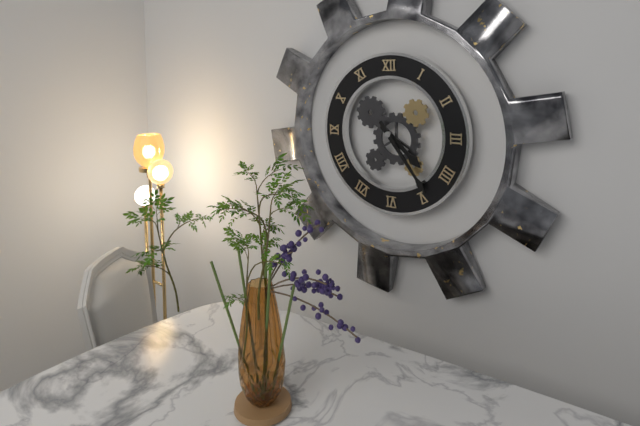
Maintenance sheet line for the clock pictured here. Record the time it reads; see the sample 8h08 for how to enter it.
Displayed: 4h24
